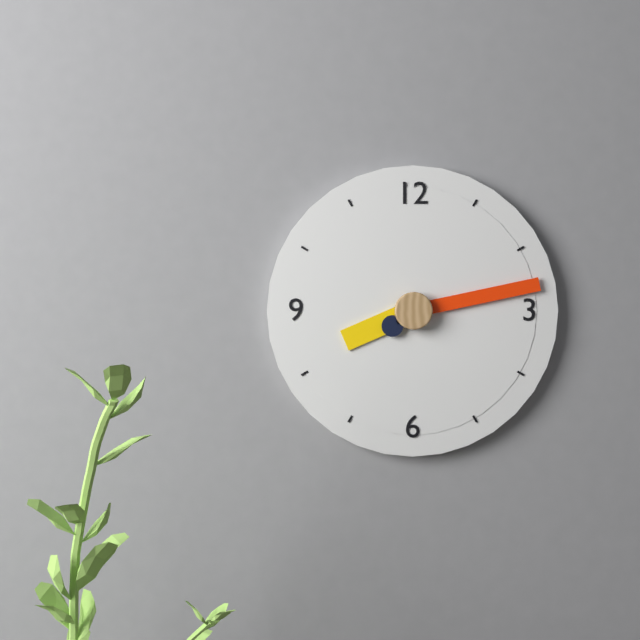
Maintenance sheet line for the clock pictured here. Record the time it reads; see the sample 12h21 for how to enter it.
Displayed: 8h13
